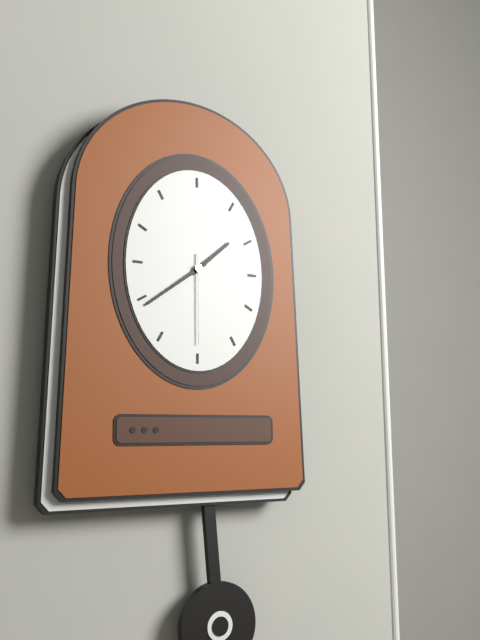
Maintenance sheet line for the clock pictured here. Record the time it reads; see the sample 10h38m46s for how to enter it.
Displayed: 1h39m30s
